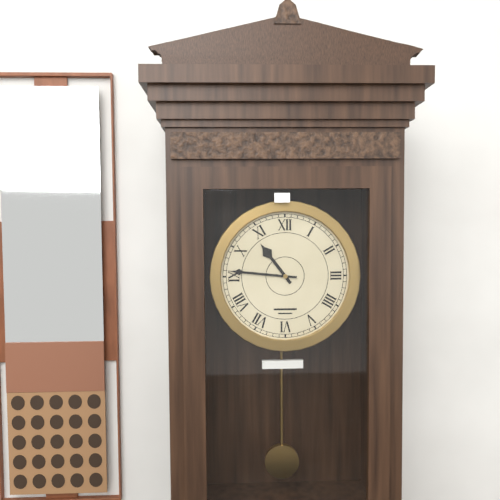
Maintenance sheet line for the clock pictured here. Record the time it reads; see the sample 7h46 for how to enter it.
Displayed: 10h46
